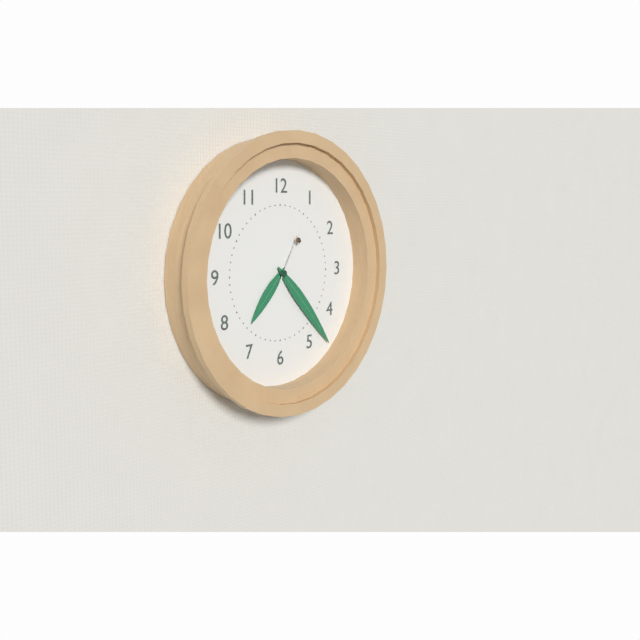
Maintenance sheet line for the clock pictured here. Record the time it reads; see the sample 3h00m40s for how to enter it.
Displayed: 7h23m05s
